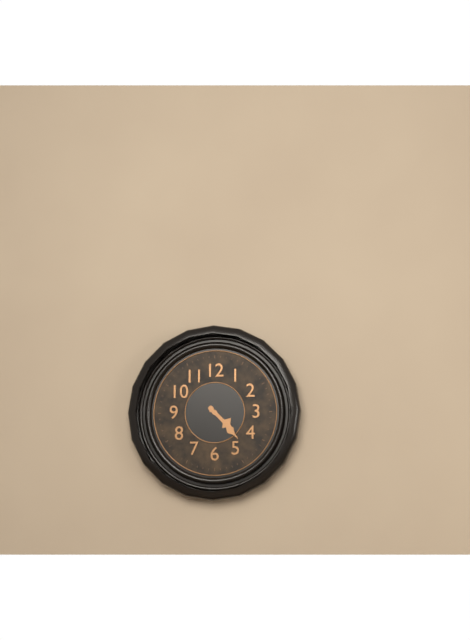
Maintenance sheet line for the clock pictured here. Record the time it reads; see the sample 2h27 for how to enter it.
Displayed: 4h23
